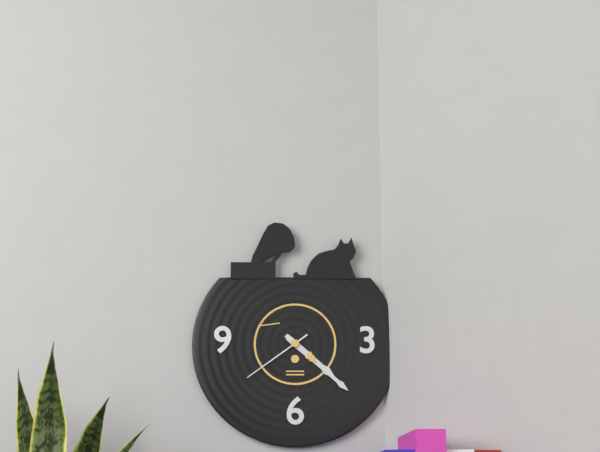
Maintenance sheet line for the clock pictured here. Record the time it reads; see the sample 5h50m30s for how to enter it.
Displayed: 4h22m39s
